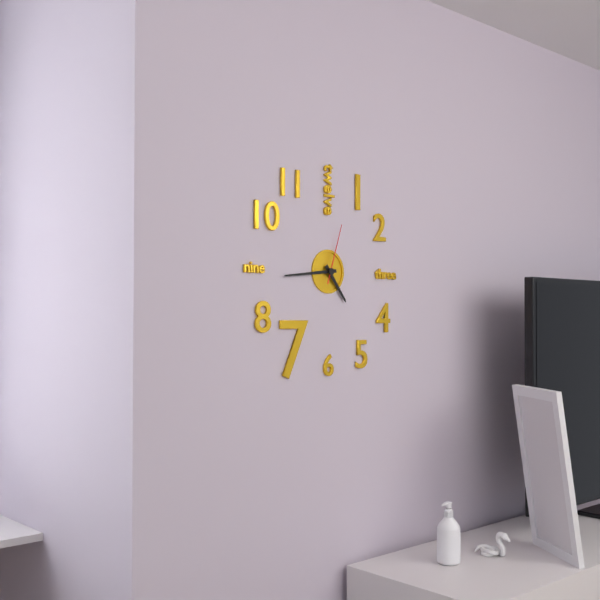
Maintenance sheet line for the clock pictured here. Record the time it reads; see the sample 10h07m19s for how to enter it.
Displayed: 4h44m03s
